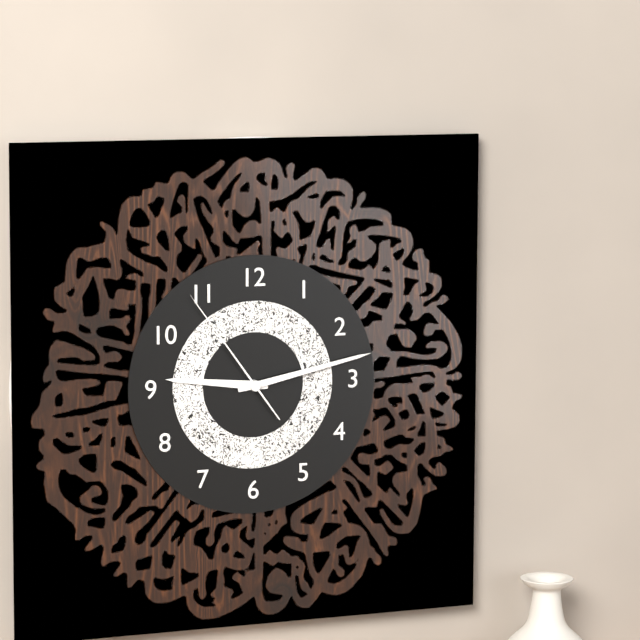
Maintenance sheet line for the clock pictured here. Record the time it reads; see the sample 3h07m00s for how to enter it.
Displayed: 9h13m54s
